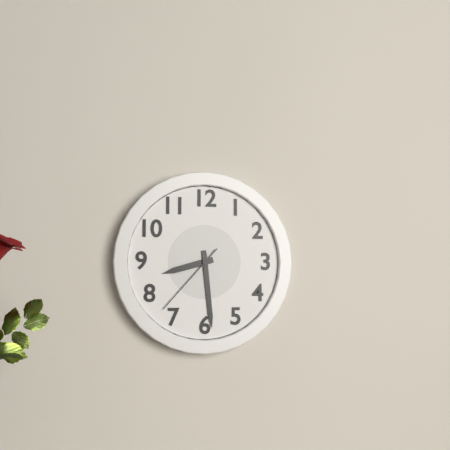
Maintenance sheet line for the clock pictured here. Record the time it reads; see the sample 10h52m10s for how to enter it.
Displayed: 8h29m37s
